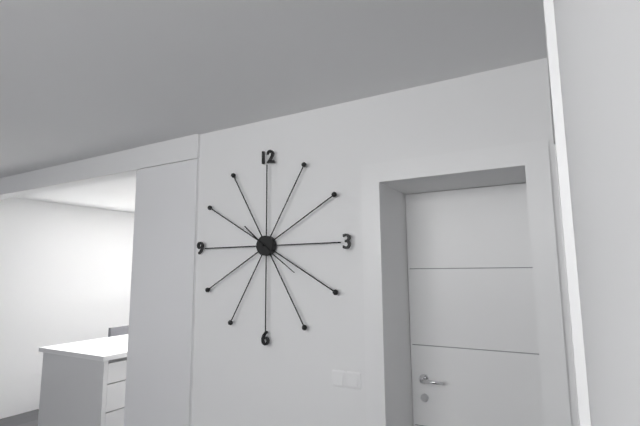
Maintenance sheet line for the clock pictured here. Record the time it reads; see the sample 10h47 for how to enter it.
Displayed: 10h21
